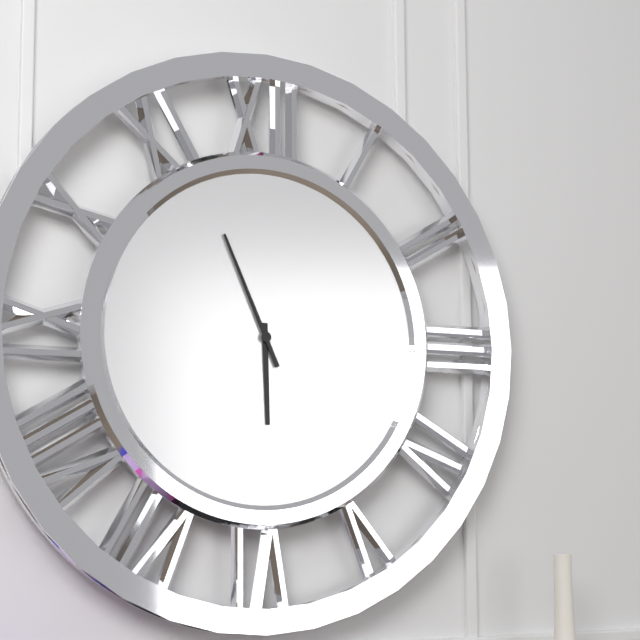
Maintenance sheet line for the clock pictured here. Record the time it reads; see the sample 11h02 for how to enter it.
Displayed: 5h56
